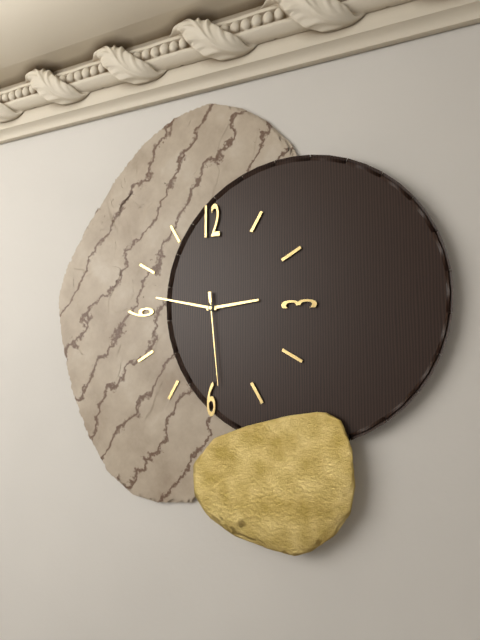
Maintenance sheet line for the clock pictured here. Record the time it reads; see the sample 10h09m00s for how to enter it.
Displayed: 2h47m29s
